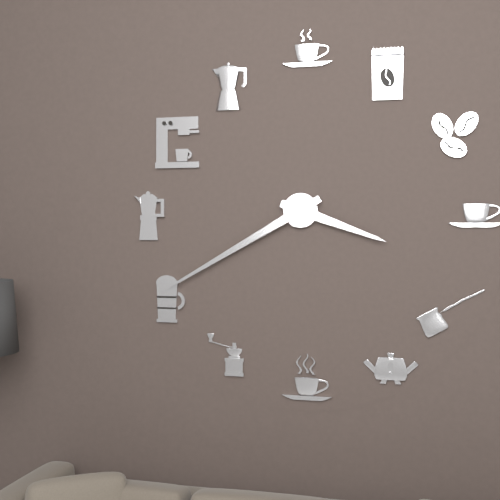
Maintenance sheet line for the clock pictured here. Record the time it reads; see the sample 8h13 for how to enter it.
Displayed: 3h40
